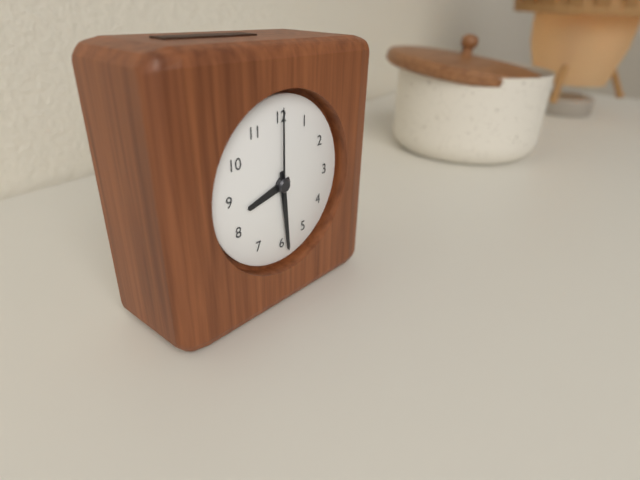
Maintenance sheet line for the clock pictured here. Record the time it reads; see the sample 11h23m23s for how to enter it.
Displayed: 8h29m00s
